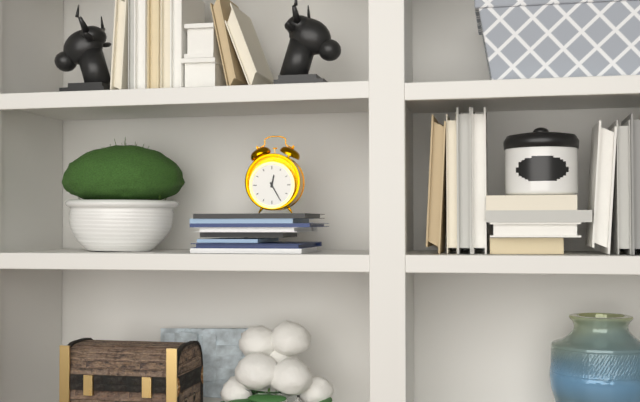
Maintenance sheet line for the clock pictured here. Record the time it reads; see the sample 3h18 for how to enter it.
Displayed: 12h25
